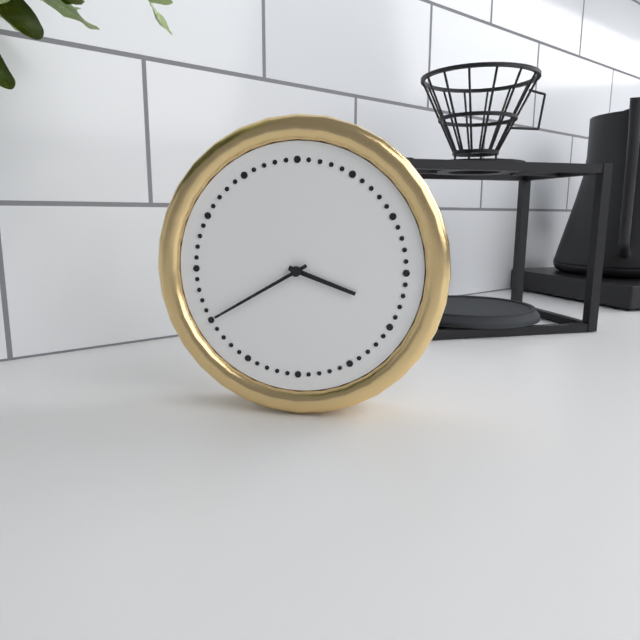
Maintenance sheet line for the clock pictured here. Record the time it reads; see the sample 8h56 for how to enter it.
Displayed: 3h40
